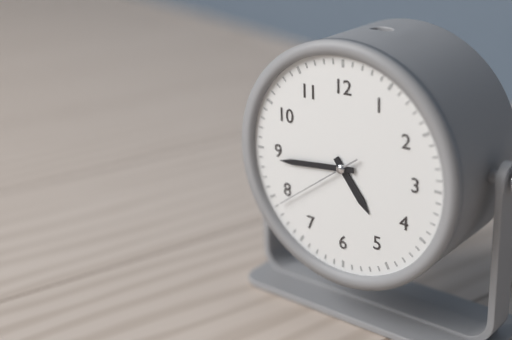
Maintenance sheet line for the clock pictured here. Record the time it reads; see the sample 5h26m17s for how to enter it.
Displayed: 4h44m39s
